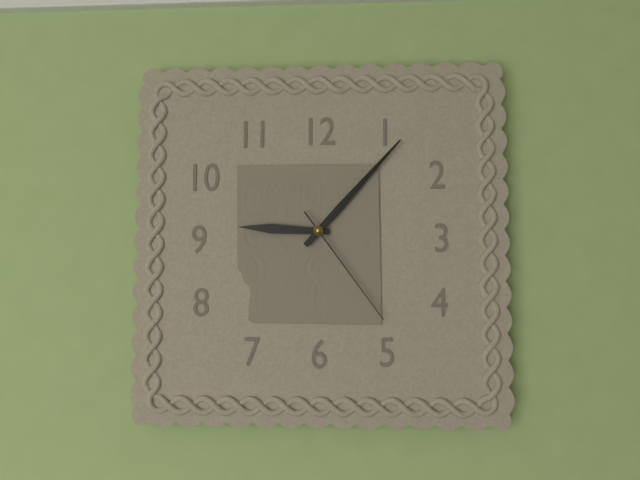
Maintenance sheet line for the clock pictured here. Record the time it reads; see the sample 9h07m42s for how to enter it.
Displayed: 9h07m24s
